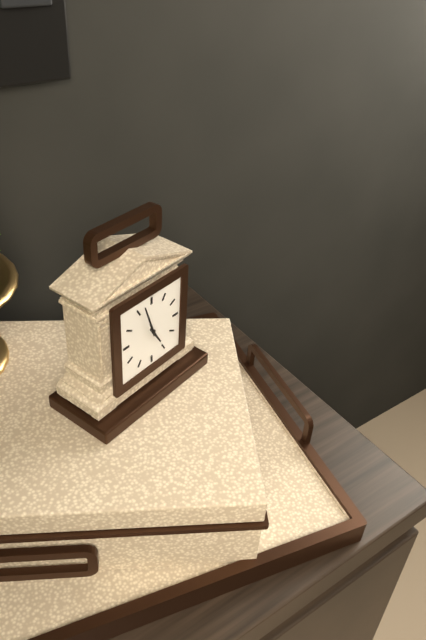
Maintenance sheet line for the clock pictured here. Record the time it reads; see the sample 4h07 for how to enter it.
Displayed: 4h57
